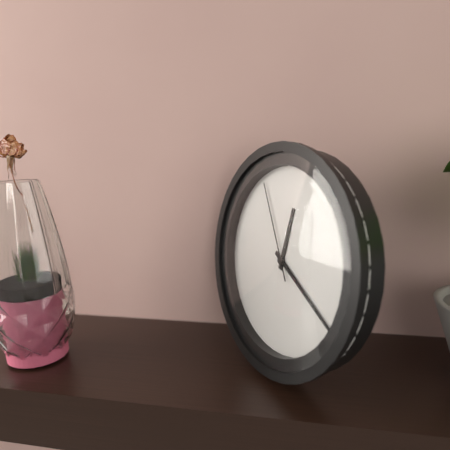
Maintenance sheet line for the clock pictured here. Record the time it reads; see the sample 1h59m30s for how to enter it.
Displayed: 12h20m55s
